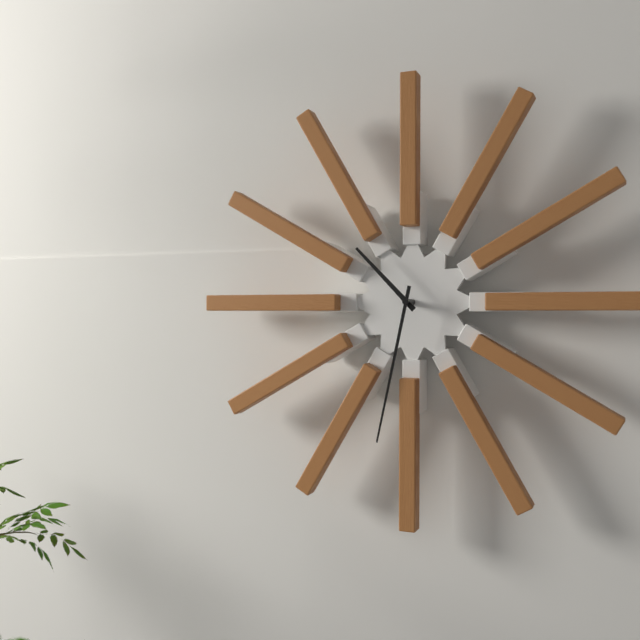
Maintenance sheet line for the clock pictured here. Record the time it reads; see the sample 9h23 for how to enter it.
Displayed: 10h32
